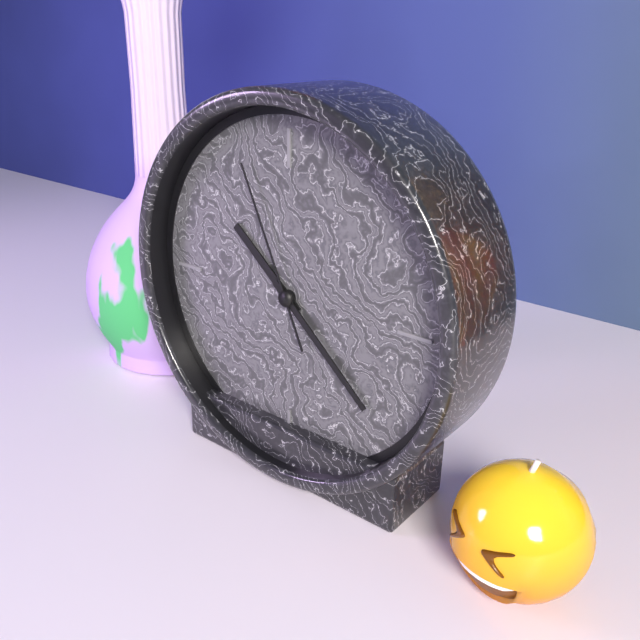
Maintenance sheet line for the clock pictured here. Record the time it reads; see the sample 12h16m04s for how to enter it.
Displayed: 10h22m56s
